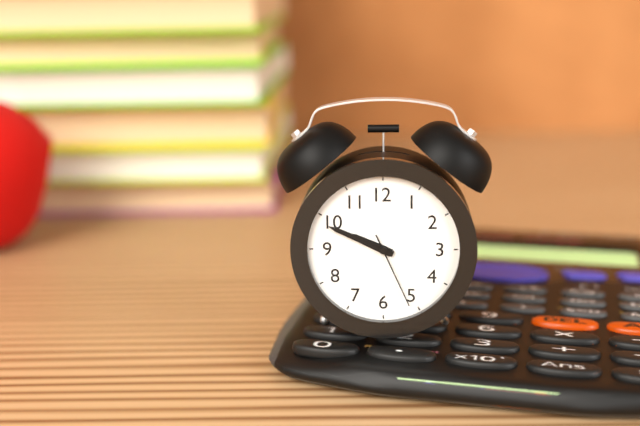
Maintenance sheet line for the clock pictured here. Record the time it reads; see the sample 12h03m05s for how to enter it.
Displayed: 9h49m26s
